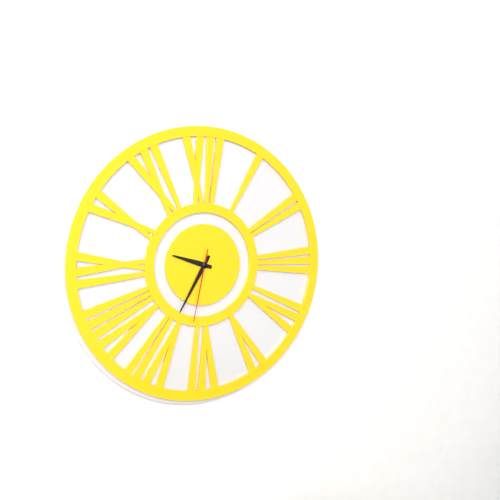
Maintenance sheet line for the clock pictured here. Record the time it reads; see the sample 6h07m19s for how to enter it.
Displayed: 9h35m32s
